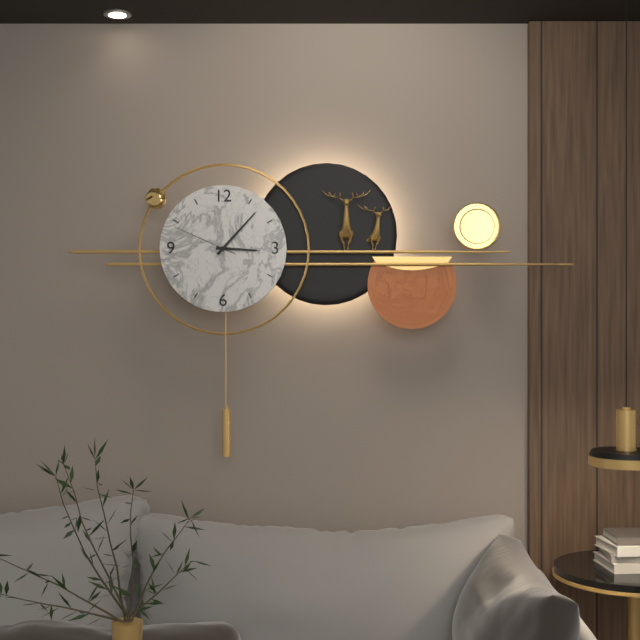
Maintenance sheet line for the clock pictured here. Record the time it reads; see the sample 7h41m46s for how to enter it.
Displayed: 3h07m49s
